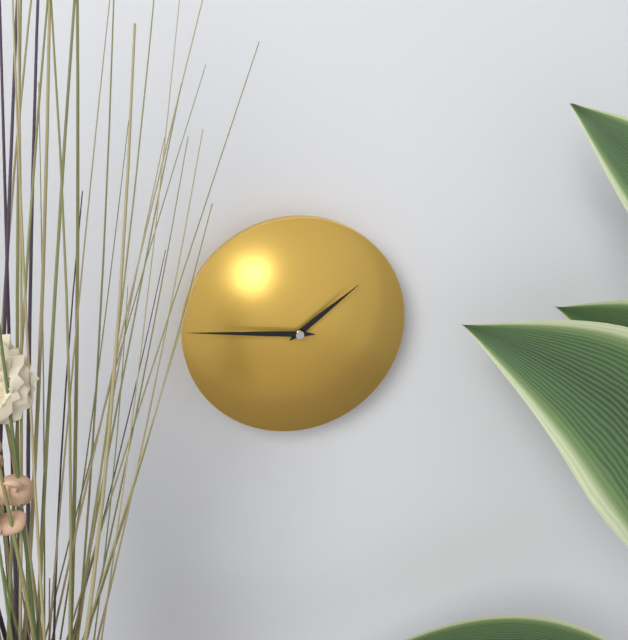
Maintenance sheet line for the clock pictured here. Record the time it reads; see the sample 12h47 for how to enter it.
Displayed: 1h46
